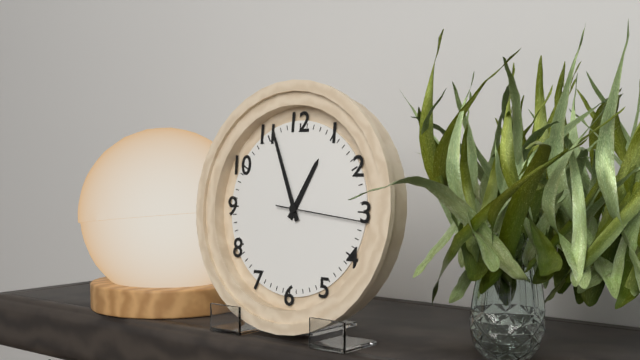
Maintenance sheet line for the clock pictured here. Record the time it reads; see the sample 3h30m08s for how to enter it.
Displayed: 12h56m16s
